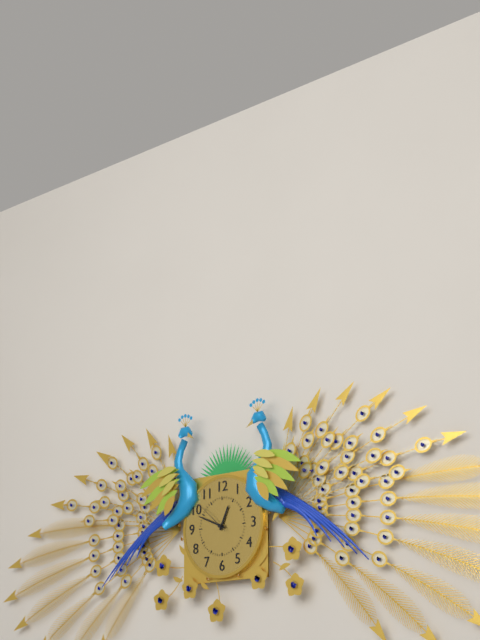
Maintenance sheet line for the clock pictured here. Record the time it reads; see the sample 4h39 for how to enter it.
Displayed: 12h49
